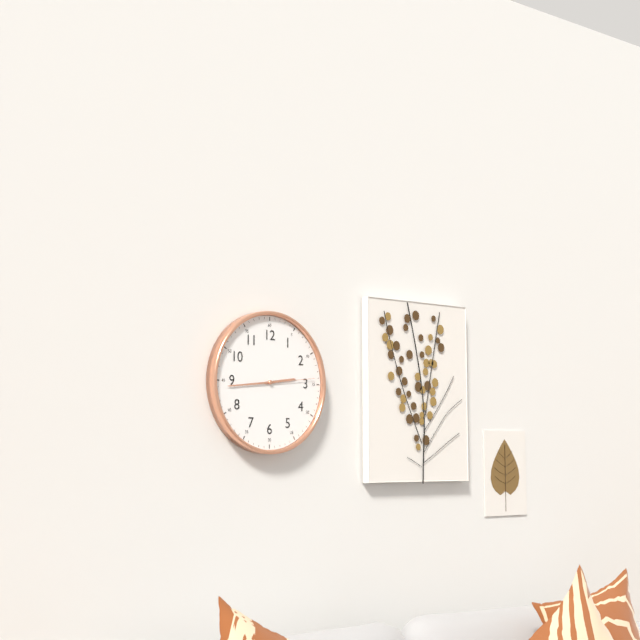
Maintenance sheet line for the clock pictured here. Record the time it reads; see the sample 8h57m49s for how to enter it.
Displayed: 2h44m14s
